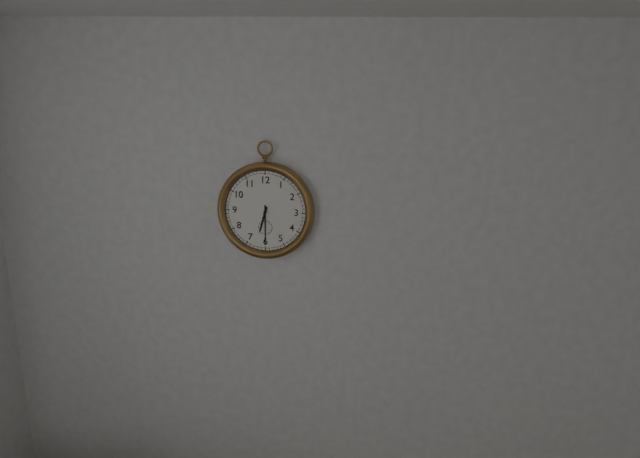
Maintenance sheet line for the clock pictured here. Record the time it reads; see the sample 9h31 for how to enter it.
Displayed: 6h30
